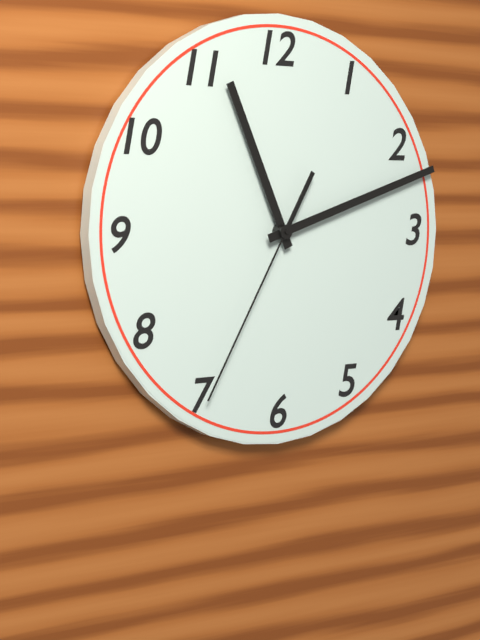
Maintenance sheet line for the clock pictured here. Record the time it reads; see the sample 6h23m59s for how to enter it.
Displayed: 11h12m35s
